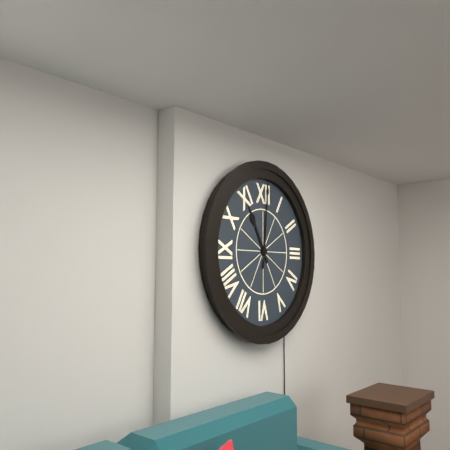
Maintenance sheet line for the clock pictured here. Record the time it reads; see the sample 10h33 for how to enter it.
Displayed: 11h01
